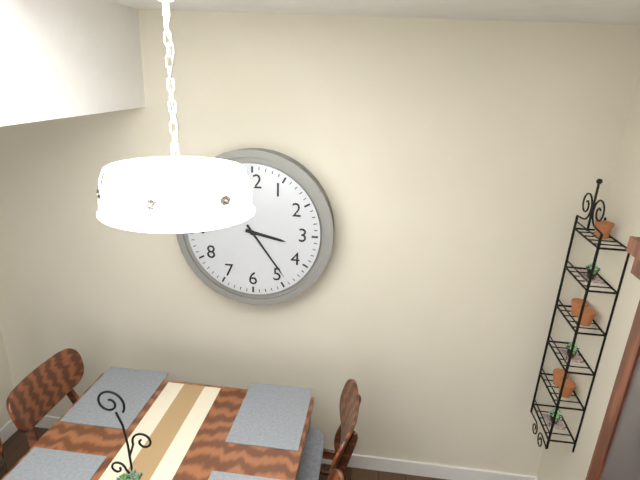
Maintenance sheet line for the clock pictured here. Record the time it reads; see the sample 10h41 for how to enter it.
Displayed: 3h24
